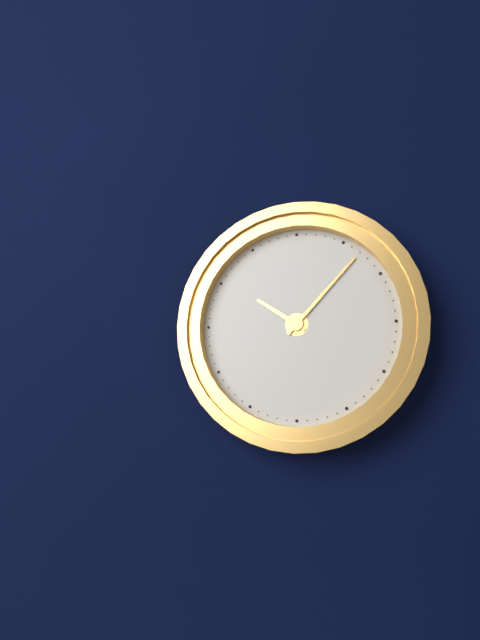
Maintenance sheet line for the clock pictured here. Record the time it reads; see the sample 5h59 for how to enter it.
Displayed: 10h07
